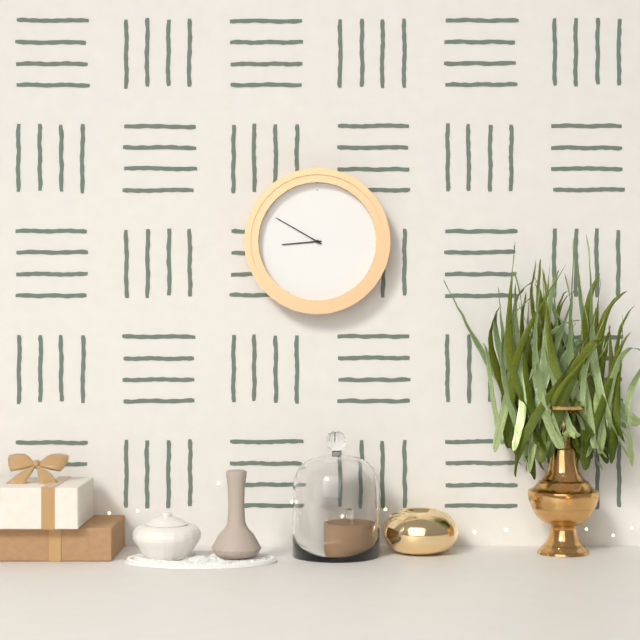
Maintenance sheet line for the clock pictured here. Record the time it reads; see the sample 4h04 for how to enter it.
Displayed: 8h50
